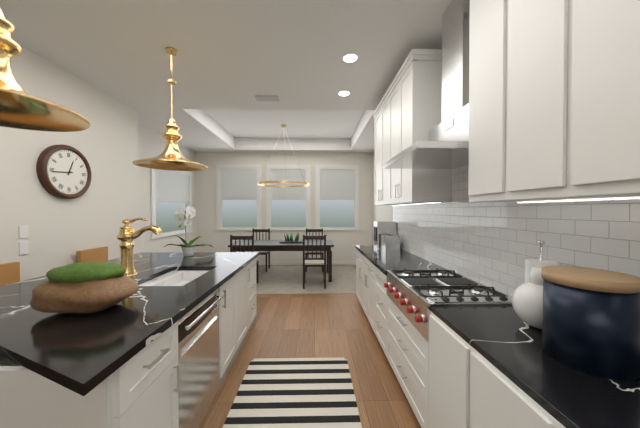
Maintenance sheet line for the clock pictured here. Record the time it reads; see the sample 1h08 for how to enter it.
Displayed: 12h44
